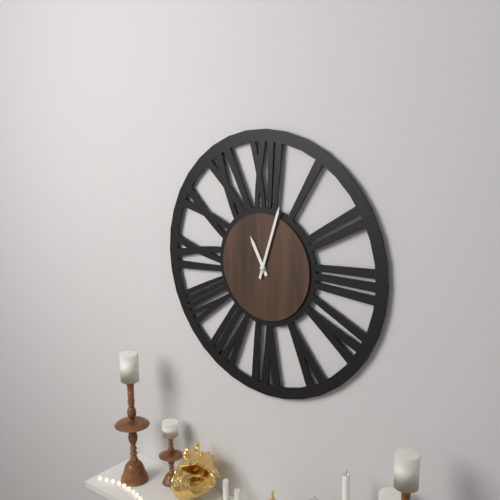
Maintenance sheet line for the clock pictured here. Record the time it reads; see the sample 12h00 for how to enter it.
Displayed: 11h03
